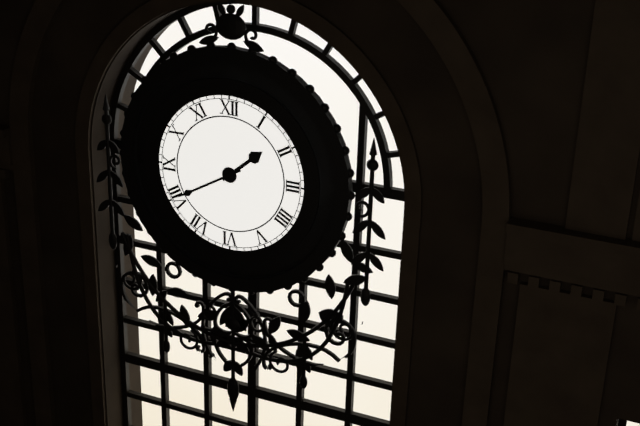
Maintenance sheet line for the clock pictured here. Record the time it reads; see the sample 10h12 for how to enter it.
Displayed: 1h40
